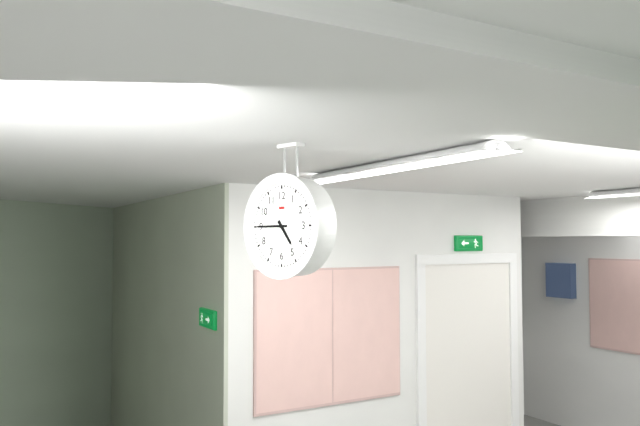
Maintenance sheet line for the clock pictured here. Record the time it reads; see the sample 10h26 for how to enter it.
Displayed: 4h45
